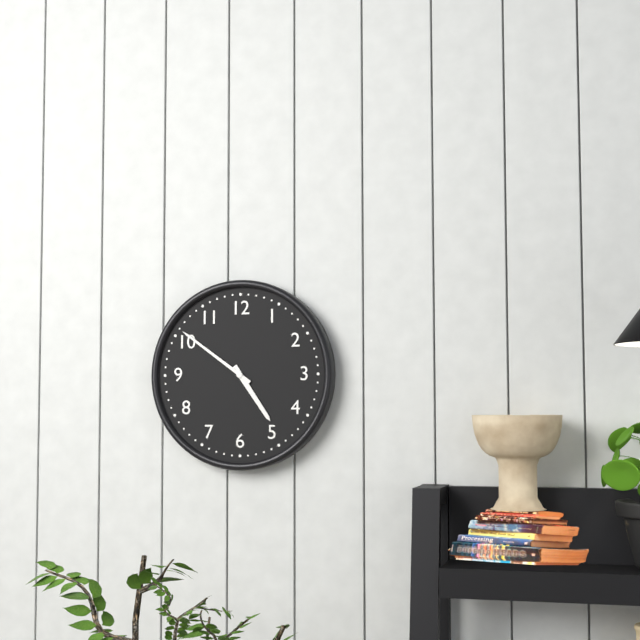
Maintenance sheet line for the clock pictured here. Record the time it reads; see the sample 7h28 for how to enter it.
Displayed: 4h51
